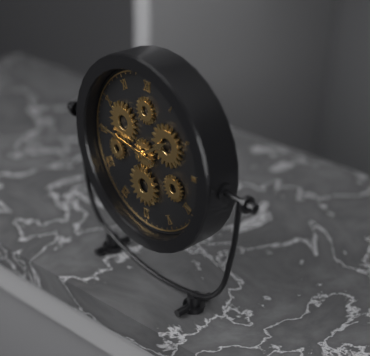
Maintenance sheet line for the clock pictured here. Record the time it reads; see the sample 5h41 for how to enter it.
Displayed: 1h46
